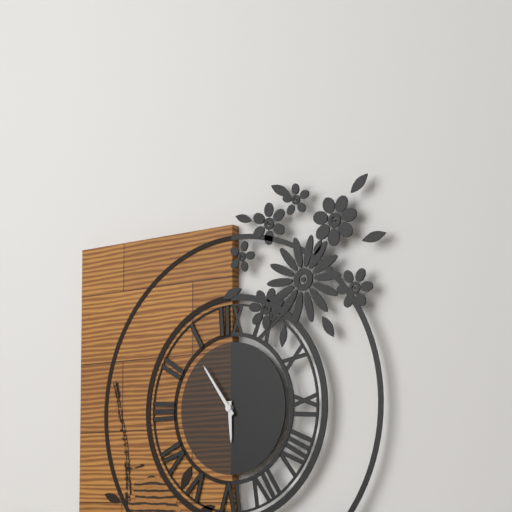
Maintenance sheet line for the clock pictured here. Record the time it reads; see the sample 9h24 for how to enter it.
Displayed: 5h54
